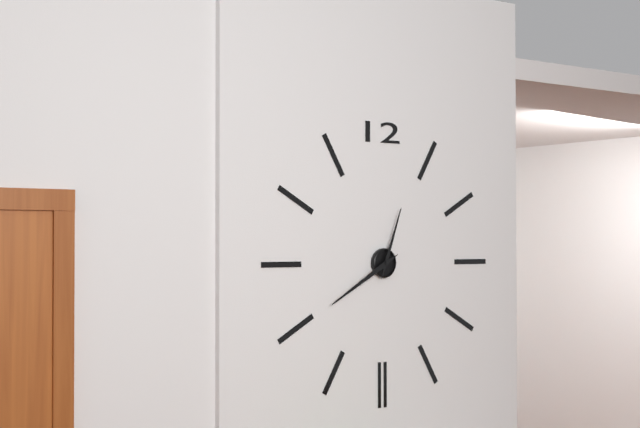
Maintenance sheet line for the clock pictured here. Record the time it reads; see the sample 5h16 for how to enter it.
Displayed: 12h40
